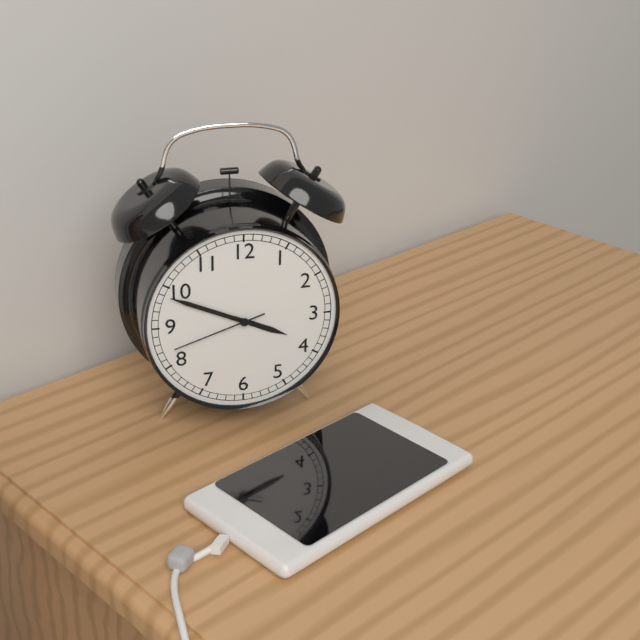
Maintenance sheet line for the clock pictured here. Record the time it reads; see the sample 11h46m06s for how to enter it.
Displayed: 3h49m42s
